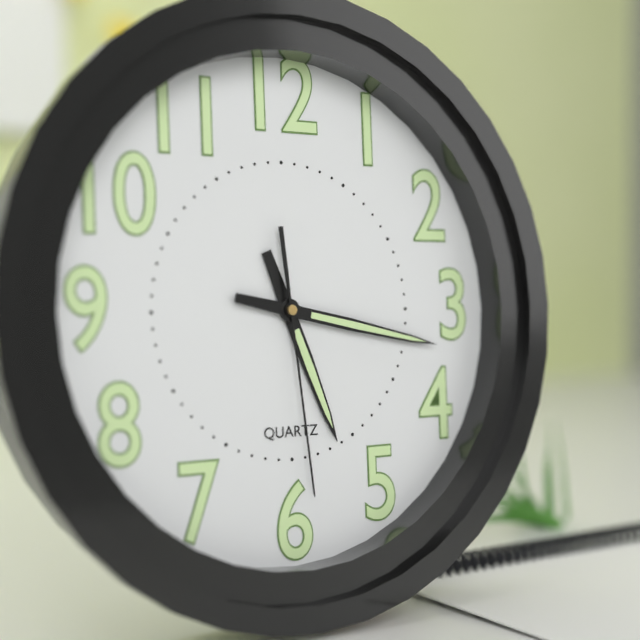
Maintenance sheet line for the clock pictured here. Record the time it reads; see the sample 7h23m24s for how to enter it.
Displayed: 5h17m29s
